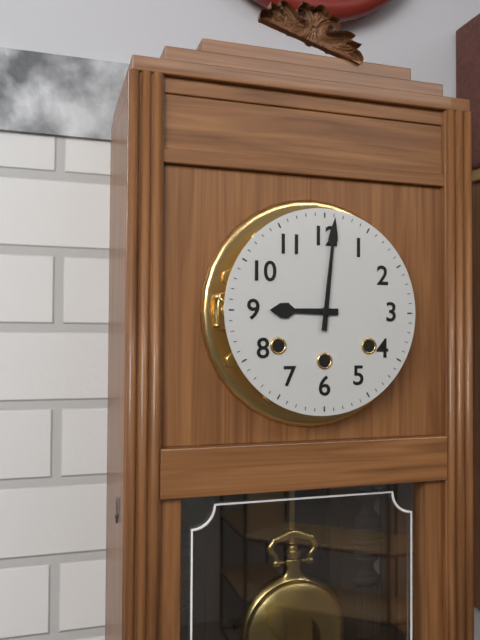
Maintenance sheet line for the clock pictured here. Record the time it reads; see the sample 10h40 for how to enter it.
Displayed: 9h01
